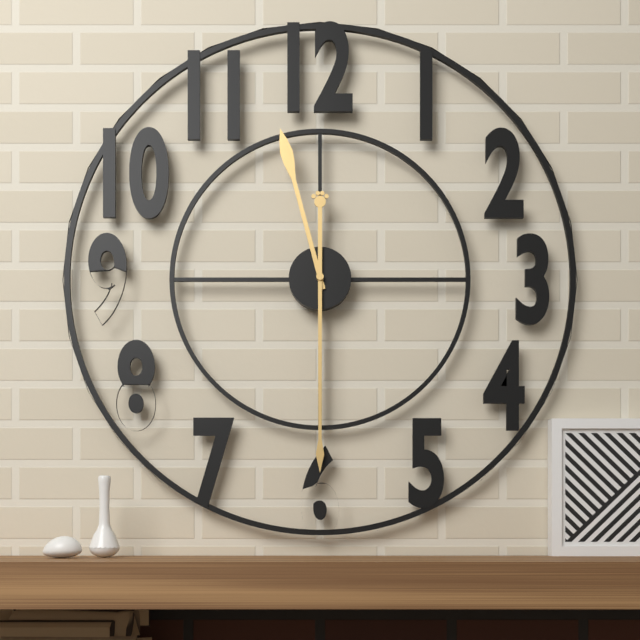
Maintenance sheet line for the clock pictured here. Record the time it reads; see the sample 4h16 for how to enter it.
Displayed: 11h30
